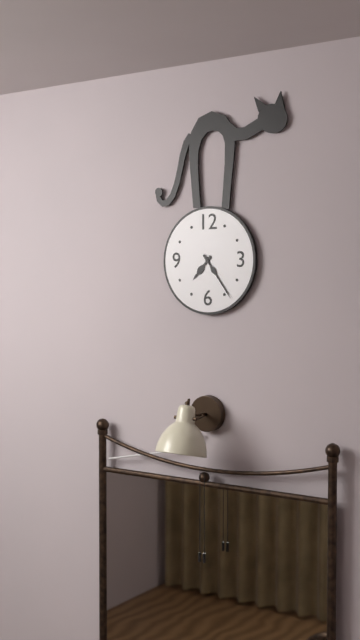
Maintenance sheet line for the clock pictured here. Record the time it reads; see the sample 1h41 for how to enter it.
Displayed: 7h24
